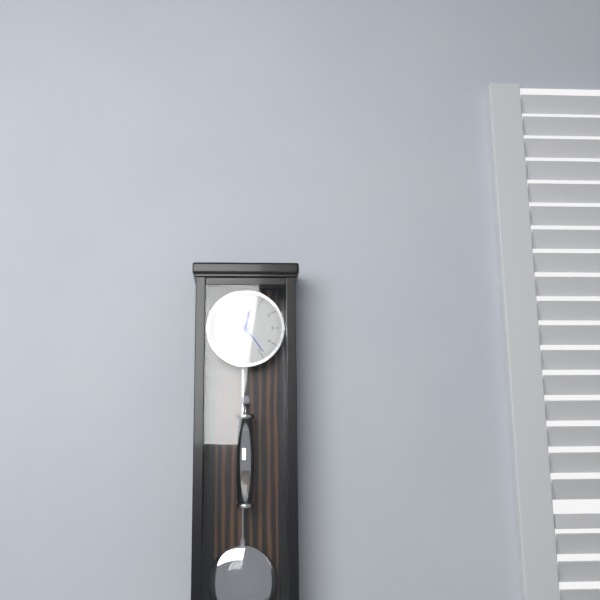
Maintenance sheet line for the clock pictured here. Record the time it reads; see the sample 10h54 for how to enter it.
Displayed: 12h24
